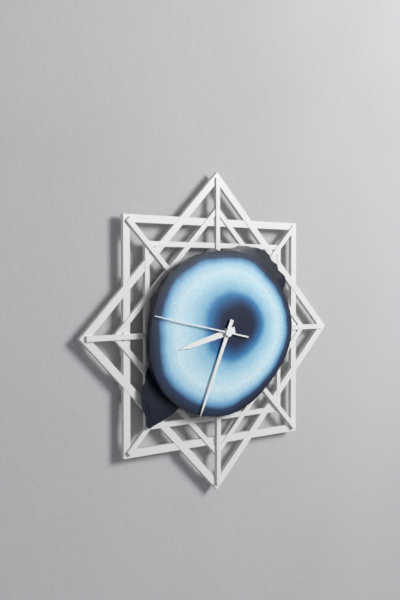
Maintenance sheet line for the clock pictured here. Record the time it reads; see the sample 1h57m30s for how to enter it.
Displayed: 8h34m47s
